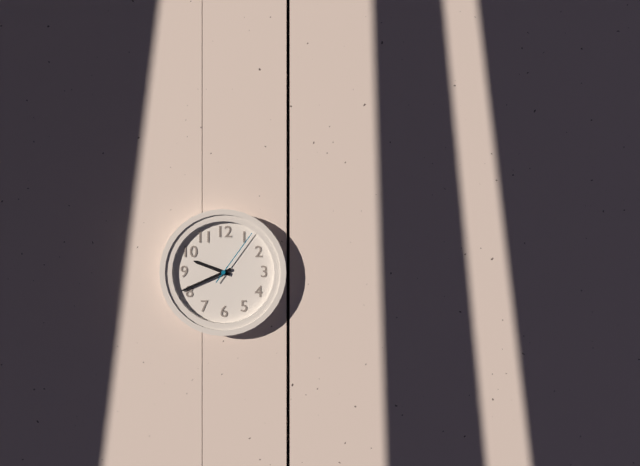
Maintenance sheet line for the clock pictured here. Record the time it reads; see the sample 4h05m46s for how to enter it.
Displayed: 9h41m06s
